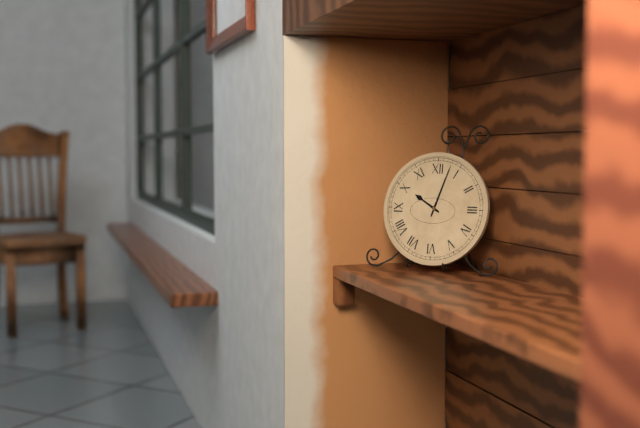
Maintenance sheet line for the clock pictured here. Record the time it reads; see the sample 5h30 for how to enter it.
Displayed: 10h03
